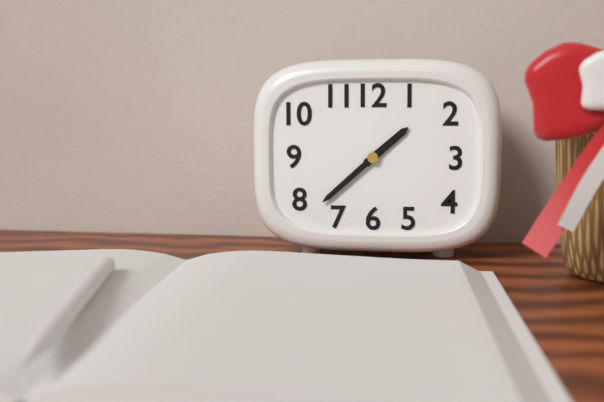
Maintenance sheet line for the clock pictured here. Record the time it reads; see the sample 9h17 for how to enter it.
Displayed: 1h38
